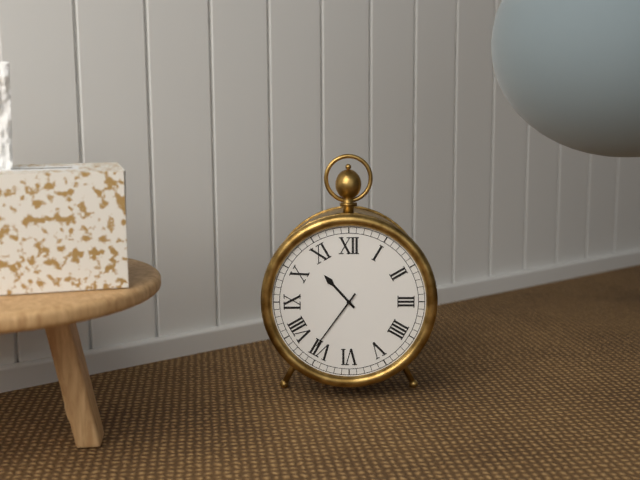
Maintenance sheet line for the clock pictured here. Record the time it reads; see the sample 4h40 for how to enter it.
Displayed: 10h36
